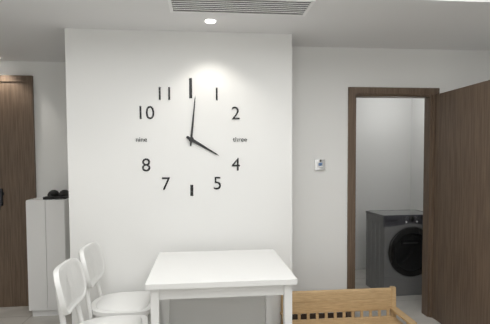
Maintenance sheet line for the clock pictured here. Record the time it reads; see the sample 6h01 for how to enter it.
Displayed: 4h01
